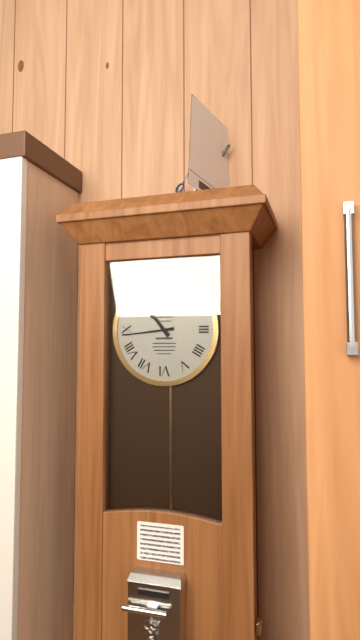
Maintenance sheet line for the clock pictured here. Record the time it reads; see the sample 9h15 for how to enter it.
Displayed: 10h44
